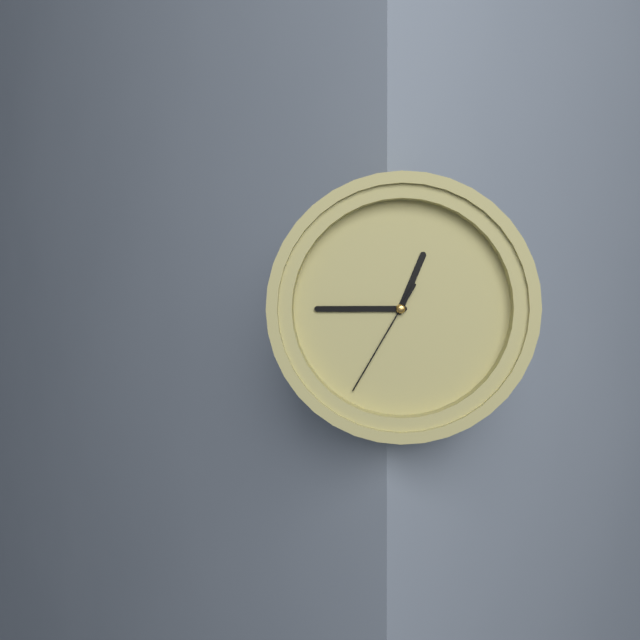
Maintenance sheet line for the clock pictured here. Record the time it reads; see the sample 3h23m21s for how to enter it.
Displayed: 12h45m35s
